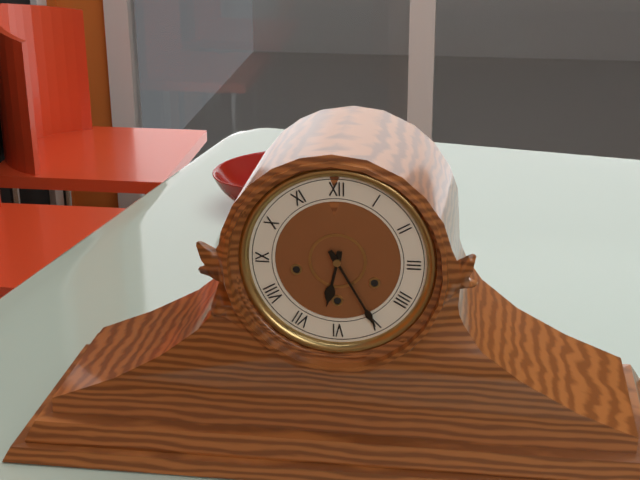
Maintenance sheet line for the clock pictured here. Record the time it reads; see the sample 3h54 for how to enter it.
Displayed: 6h25
